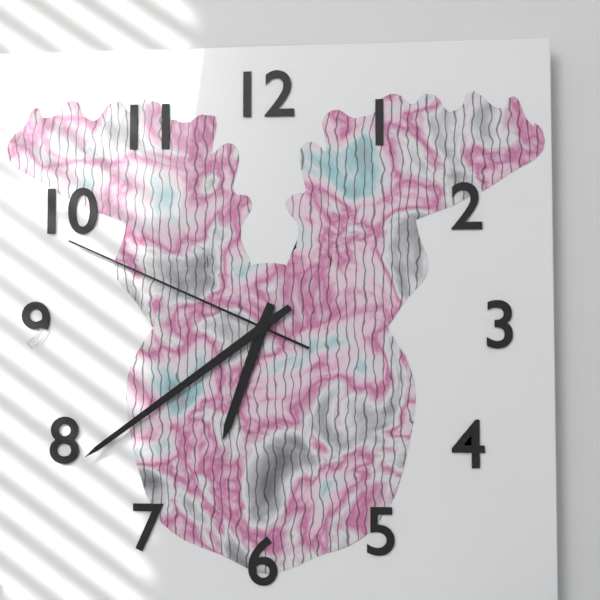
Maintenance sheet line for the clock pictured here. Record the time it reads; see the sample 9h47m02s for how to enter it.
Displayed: 6h39m49s
